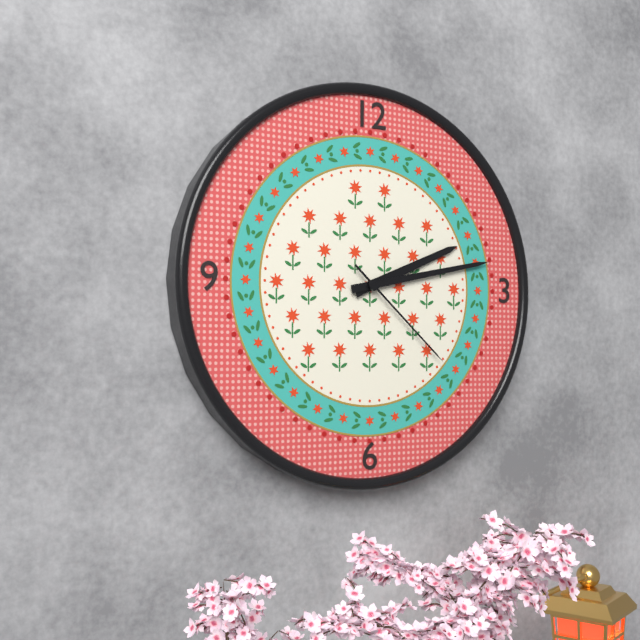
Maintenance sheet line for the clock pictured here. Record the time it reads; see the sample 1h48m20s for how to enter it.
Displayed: 2h13m22s
